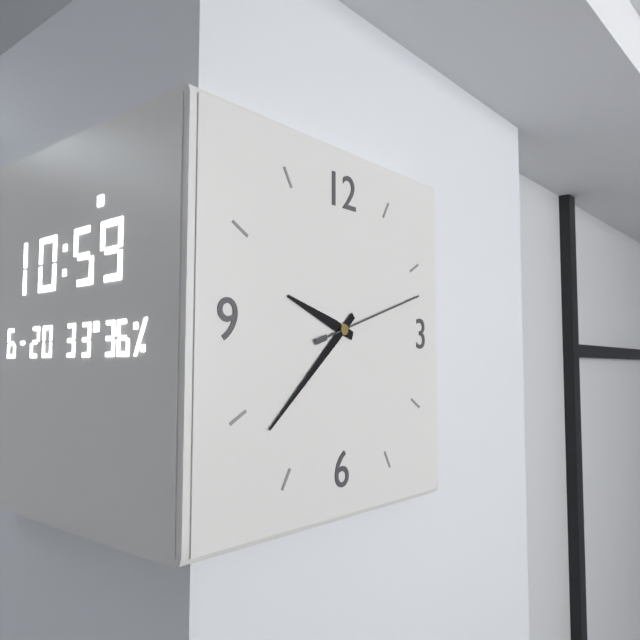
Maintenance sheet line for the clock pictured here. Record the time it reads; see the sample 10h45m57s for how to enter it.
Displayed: 9h38m12s
